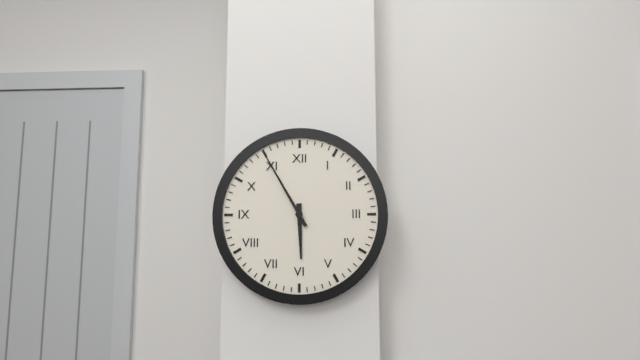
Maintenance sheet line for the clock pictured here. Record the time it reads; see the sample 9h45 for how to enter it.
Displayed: 5h55
